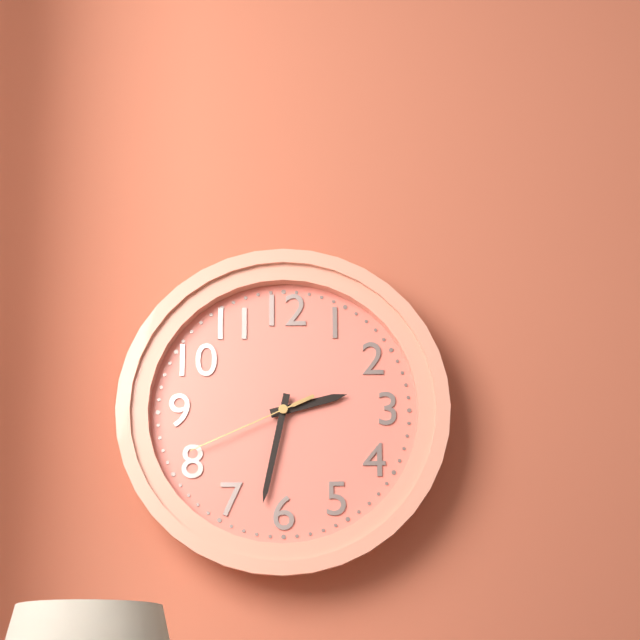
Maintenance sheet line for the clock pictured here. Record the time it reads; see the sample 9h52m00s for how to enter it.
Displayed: 2h32m41s
